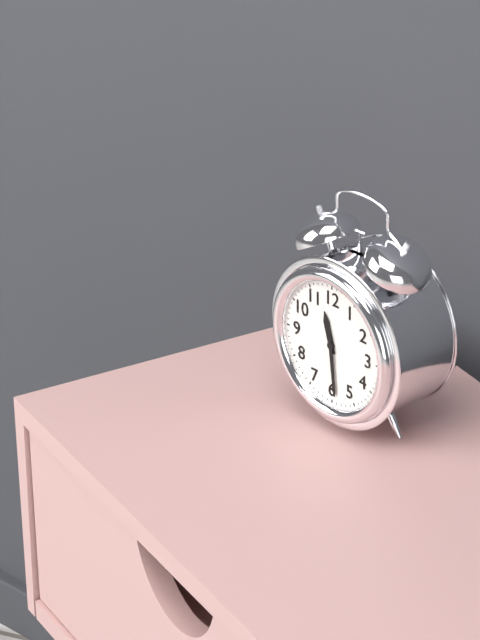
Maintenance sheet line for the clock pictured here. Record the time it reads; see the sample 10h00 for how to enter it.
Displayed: 11h29
